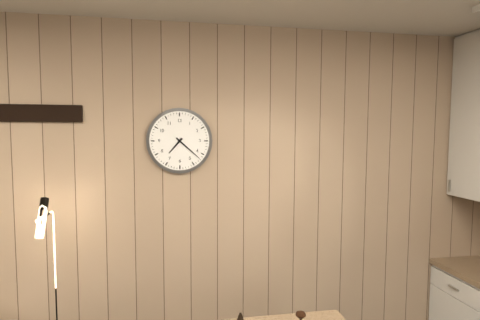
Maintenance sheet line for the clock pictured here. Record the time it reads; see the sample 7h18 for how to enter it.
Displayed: 7h22
